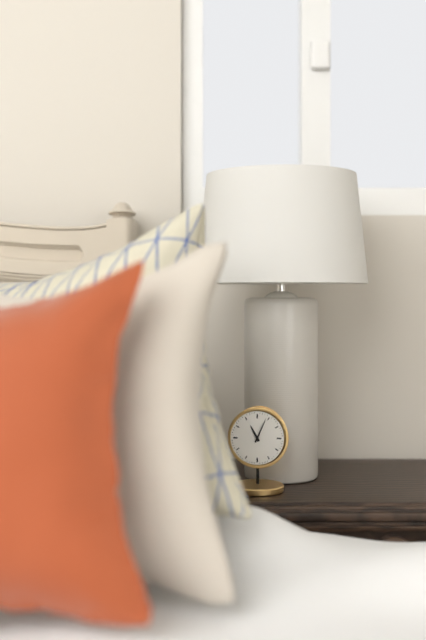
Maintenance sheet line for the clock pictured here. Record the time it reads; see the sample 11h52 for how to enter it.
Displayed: 11h04
